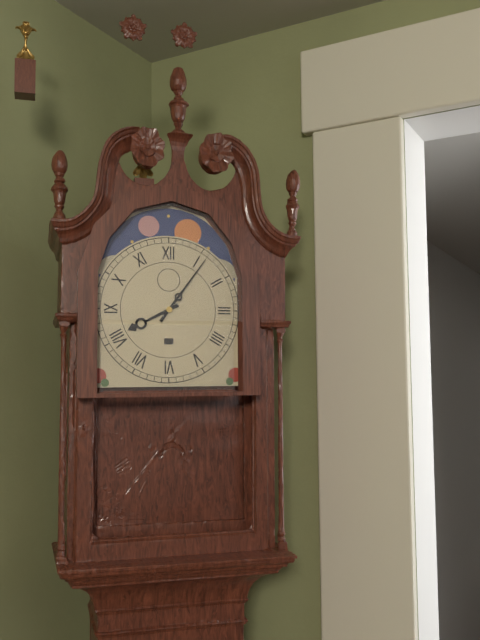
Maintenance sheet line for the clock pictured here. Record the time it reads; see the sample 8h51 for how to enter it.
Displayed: 8h06
